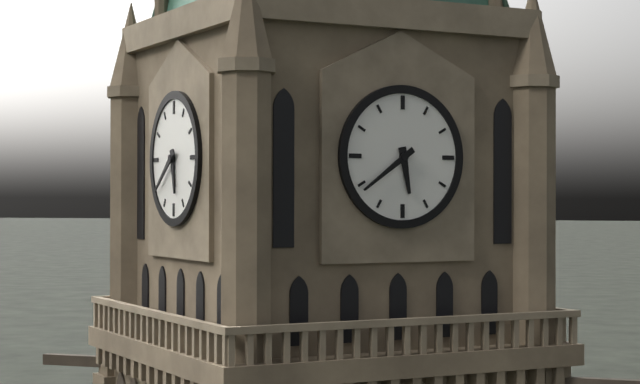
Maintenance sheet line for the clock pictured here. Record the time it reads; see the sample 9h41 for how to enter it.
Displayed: 5h39
